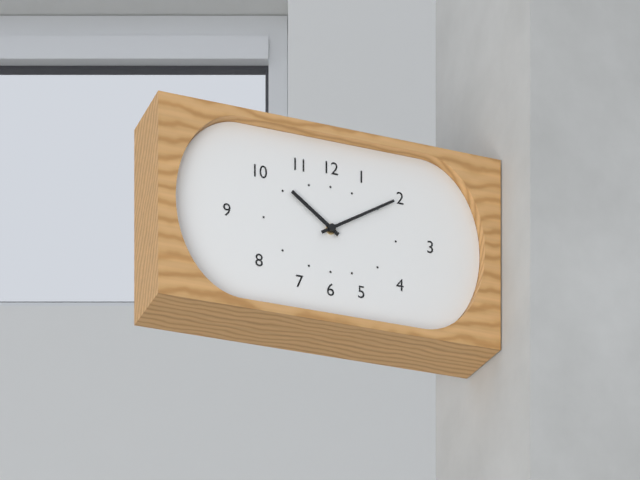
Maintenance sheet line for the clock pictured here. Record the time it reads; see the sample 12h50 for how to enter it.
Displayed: 10h10
